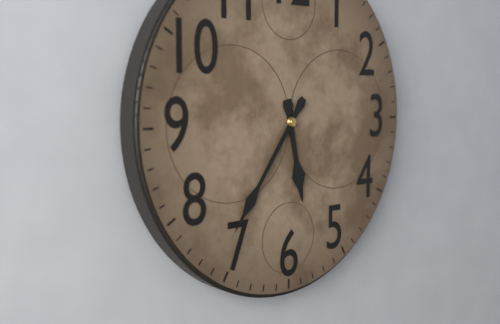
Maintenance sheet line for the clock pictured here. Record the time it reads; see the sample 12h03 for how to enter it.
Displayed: 5h36
